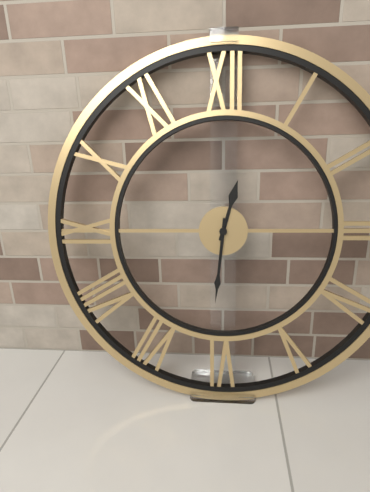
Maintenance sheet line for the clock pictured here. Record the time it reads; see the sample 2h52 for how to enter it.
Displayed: 12h31
